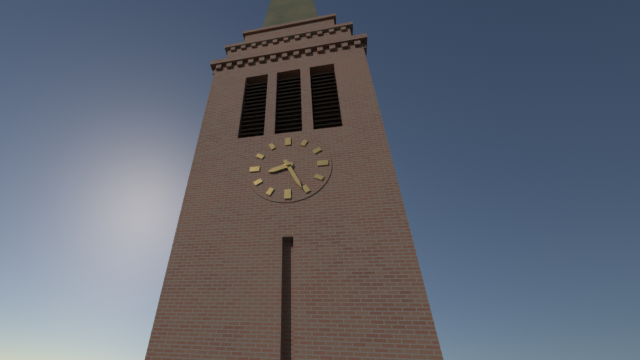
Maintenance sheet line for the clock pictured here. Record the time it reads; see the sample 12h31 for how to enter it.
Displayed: 8h26
